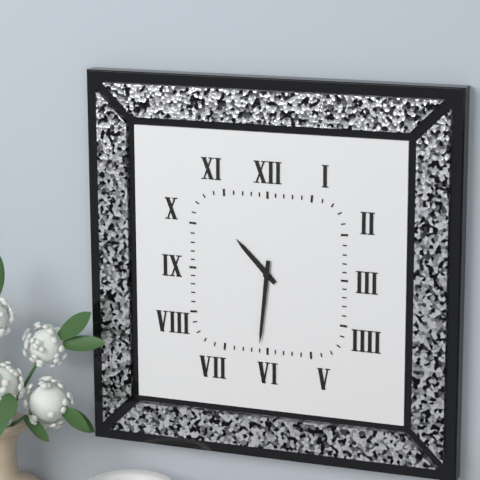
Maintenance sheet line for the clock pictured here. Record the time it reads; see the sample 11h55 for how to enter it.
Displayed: 10h31
